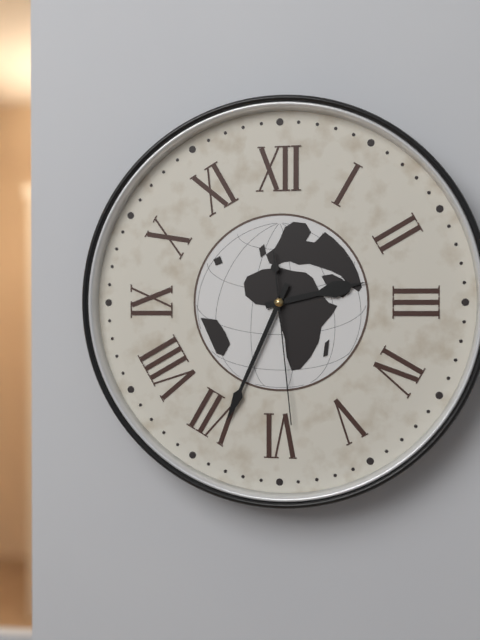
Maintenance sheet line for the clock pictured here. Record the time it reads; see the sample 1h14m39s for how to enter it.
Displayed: 2h34m29s
